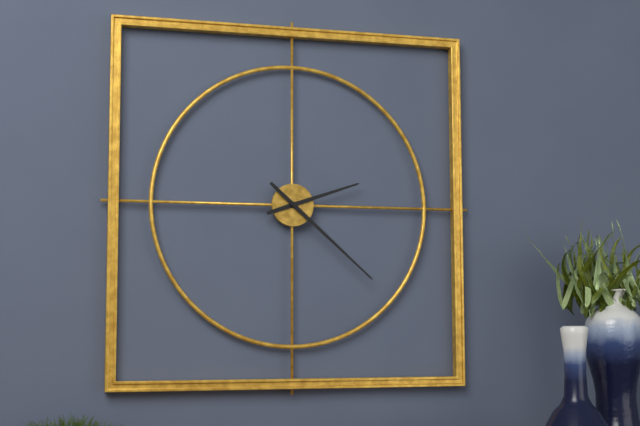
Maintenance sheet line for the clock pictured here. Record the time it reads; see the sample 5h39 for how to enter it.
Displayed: 2h22
